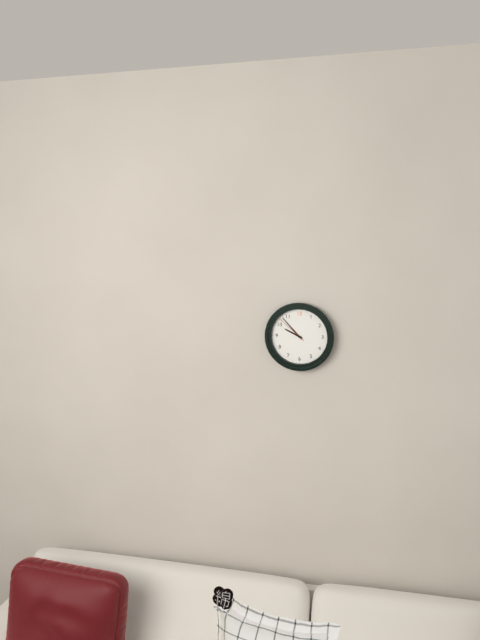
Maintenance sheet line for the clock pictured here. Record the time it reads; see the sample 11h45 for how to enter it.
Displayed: 9h53
